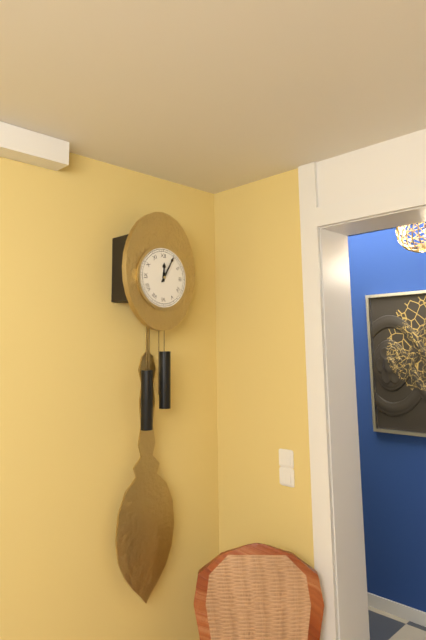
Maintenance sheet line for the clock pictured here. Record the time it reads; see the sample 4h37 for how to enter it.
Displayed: 12h05
